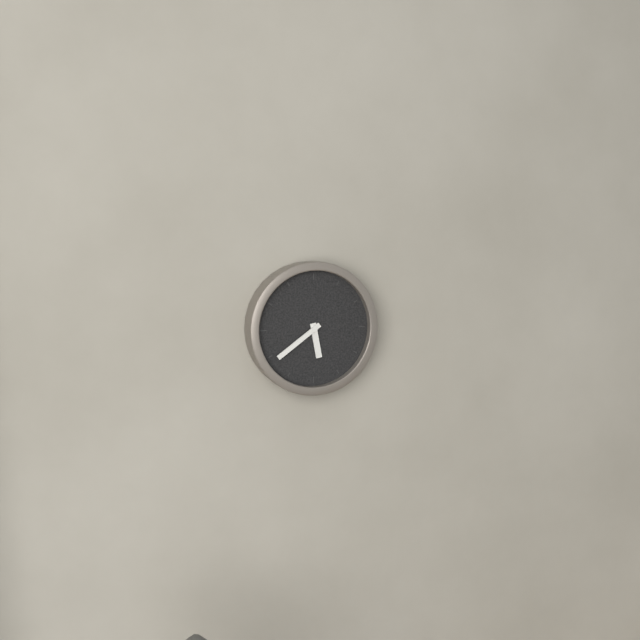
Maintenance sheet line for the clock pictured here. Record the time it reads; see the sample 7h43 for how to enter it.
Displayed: 5h39
